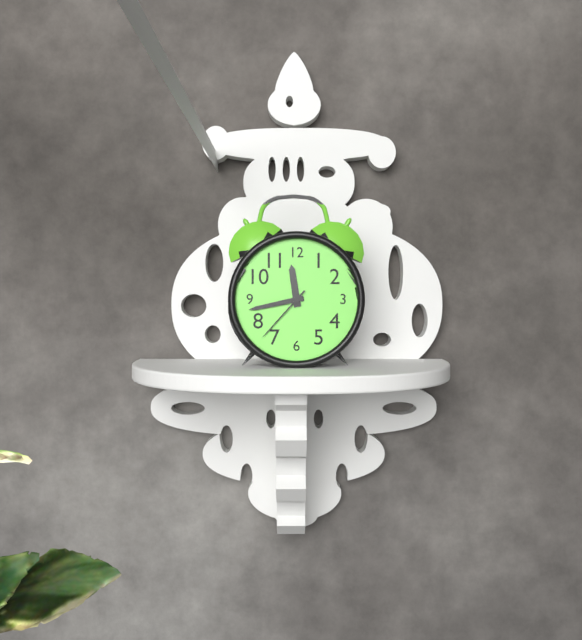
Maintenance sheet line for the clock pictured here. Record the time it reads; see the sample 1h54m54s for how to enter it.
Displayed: 11h43m37s
